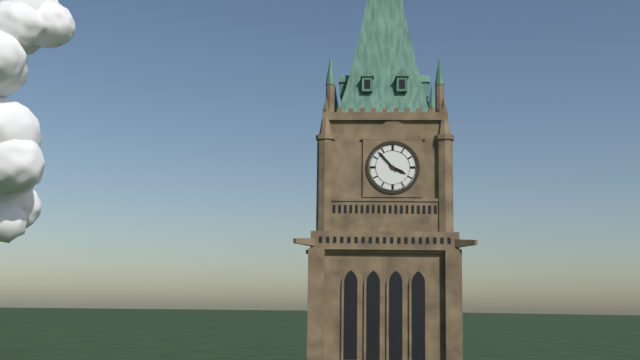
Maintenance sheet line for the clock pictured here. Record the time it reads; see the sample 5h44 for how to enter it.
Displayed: 3h53
